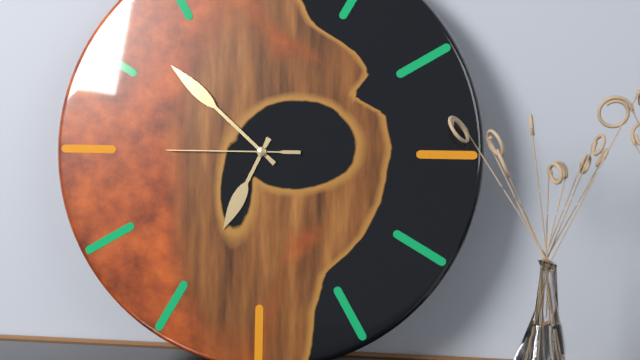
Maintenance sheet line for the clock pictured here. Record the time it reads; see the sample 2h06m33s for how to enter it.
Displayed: 6h52m45s
